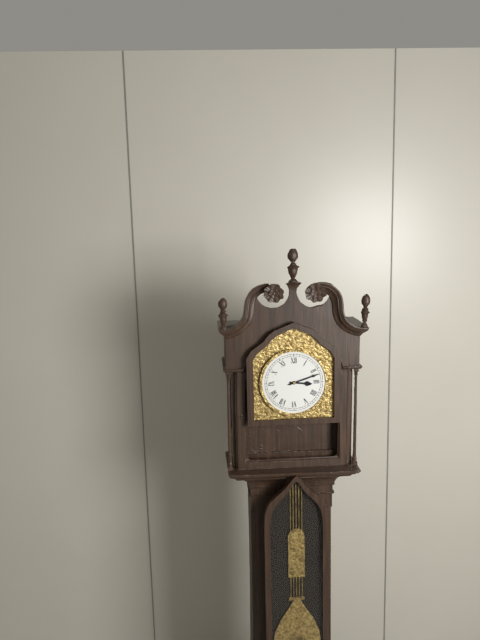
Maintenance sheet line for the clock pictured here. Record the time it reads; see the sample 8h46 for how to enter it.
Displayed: 3h12
